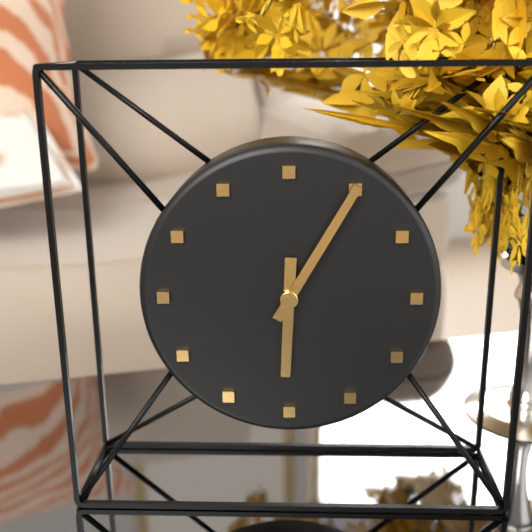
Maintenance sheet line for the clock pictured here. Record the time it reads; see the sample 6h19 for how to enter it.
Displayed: 6h05
